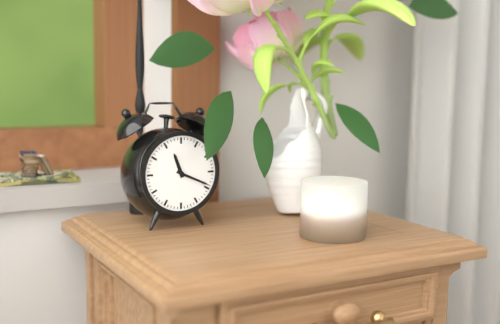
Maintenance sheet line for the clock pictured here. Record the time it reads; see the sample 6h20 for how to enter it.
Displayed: 11h19
